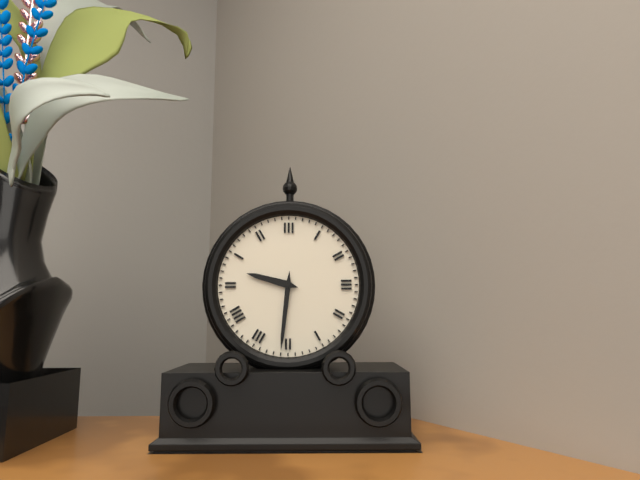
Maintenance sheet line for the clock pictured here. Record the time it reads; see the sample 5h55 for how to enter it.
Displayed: 9h31
